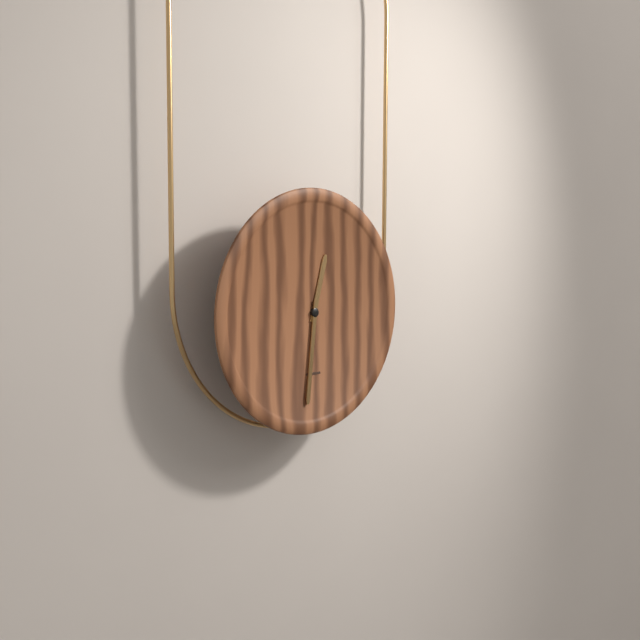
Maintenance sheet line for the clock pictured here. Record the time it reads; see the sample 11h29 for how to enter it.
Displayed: 12h31
